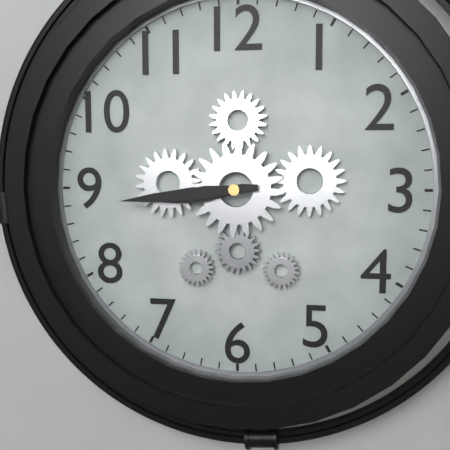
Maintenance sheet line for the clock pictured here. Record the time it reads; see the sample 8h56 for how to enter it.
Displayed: 8h44
